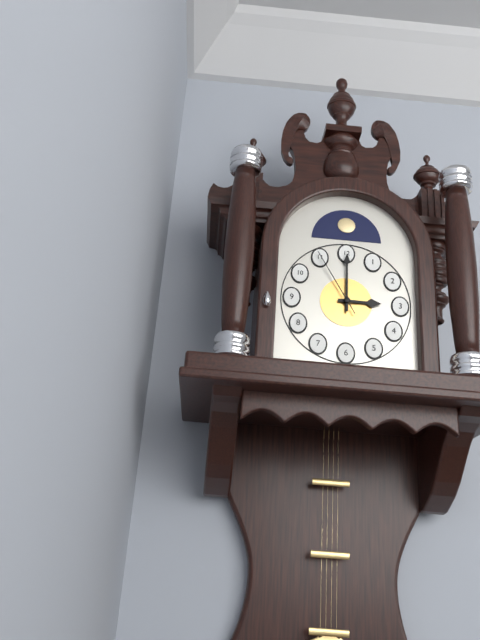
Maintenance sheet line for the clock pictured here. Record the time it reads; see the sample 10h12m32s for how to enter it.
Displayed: 3h00m55s
